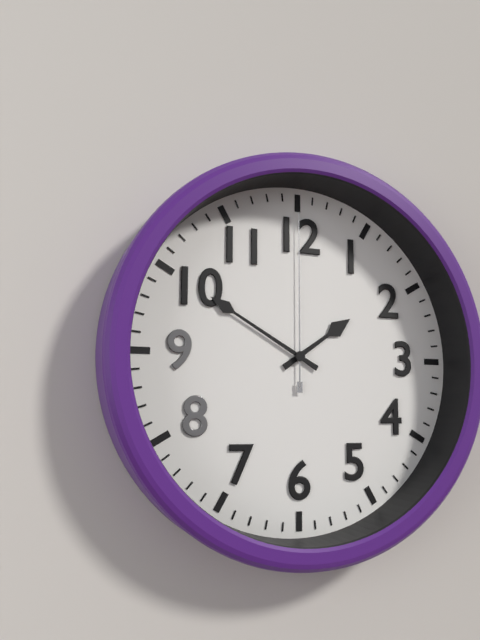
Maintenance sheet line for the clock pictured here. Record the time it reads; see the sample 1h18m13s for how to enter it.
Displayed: 1h50m00s
